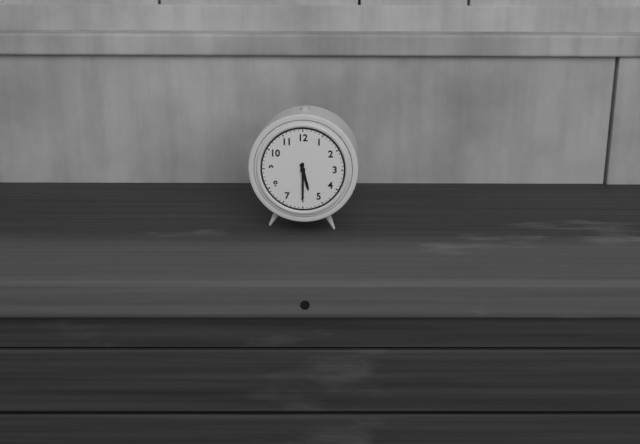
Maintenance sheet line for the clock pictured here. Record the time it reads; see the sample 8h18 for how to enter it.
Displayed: 5h30
